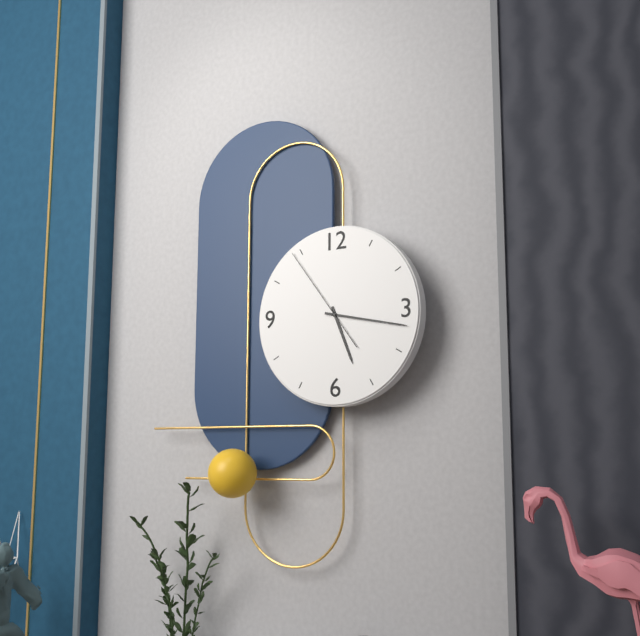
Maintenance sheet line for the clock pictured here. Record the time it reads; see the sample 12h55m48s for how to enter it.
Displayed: 5h17m54s
